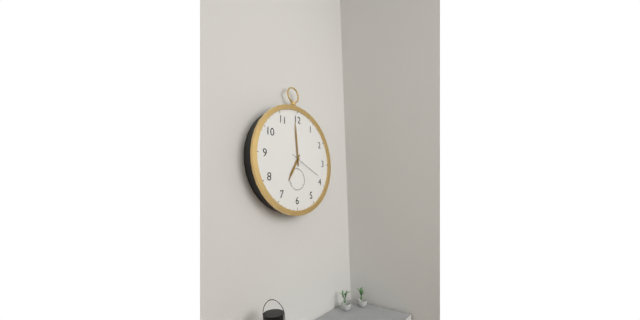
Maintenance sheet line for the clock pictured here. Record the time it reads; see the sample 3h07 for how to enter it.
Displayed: 6h59
